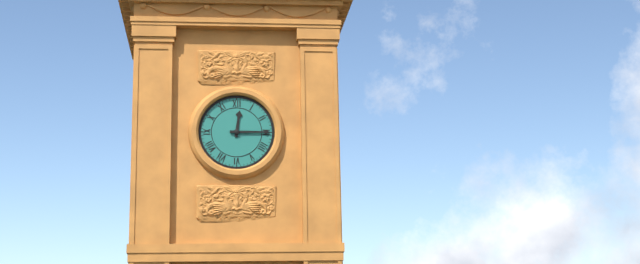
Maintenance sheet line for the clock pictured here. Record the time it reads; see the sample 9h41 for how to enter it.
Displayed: 12h15
